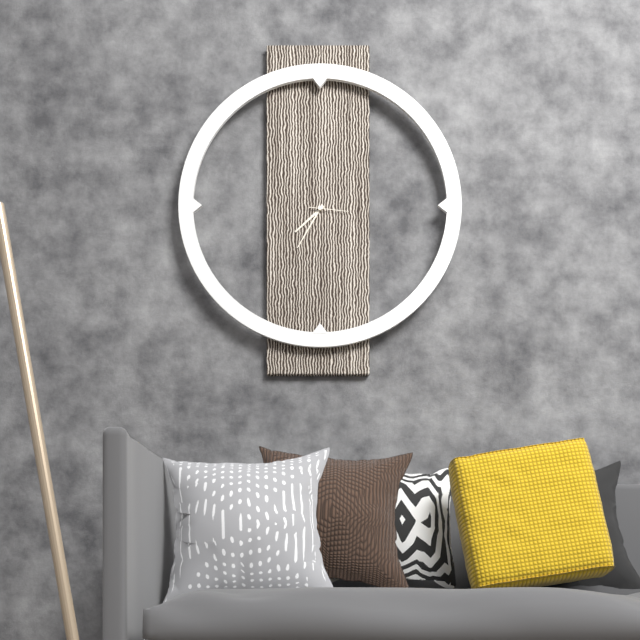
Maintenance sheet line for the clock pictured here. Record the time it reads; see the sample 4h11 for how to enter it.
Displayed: 7h35
